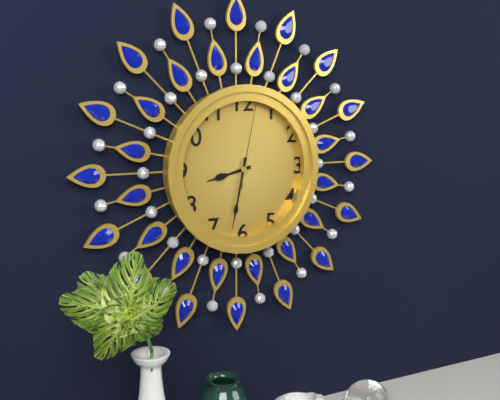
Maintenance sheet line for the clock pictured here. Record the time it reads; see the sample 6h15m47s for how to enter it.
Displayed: 8h32m02s
